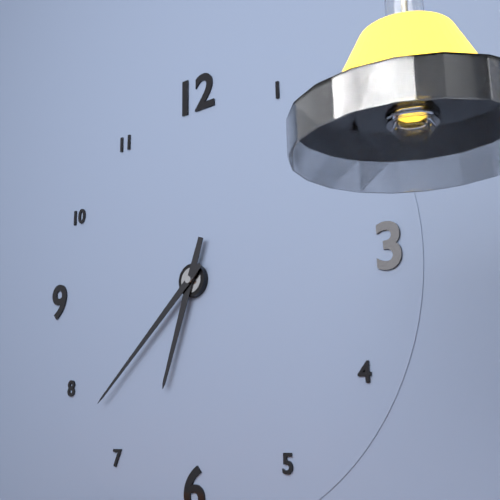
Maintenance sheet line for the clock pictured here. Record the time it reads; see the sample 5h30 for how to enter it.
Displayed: 6h38
